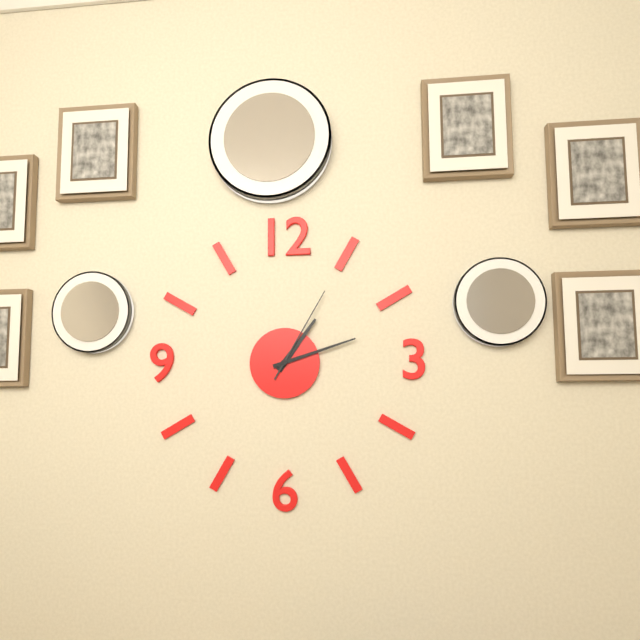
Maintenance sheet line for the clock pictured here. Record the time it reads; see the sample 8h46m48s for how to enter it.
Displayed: 1h12m05s
